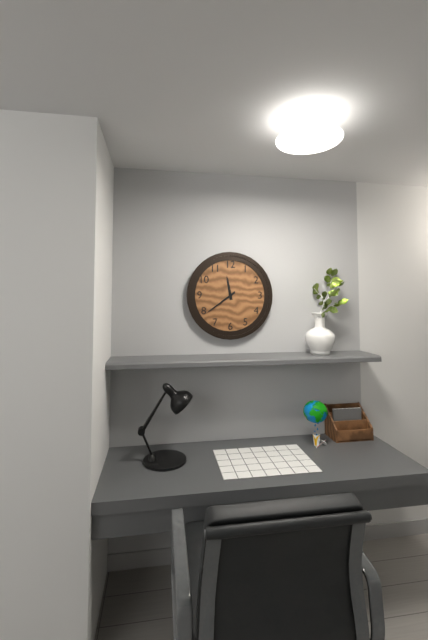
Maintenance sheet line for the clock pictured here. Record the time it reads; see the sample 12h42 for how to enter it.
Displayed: 11h39
